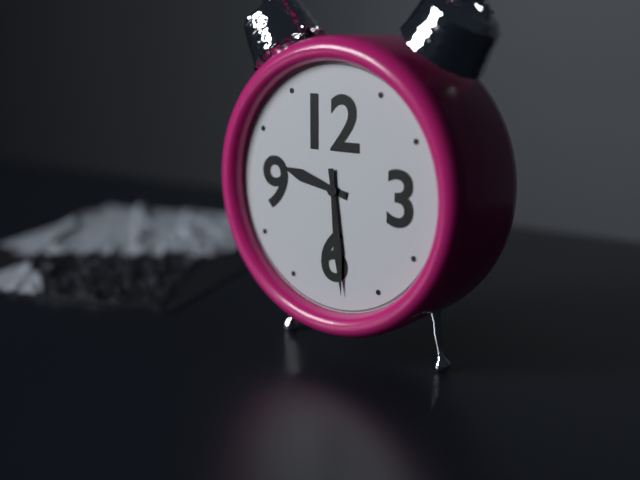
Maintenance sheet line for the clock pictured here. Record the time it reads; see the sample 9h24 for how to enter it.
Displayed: 9h29
